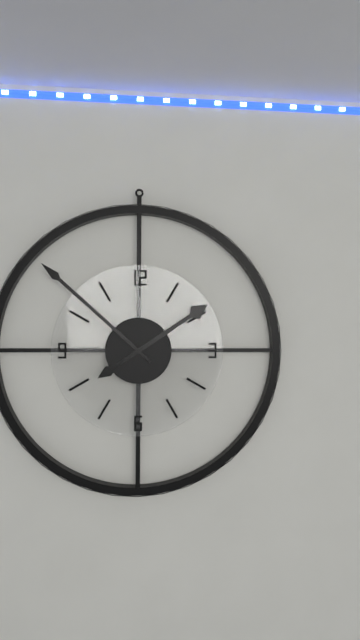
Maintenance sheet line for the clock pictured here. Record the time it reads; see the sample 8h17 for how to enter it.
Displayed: 1h52
